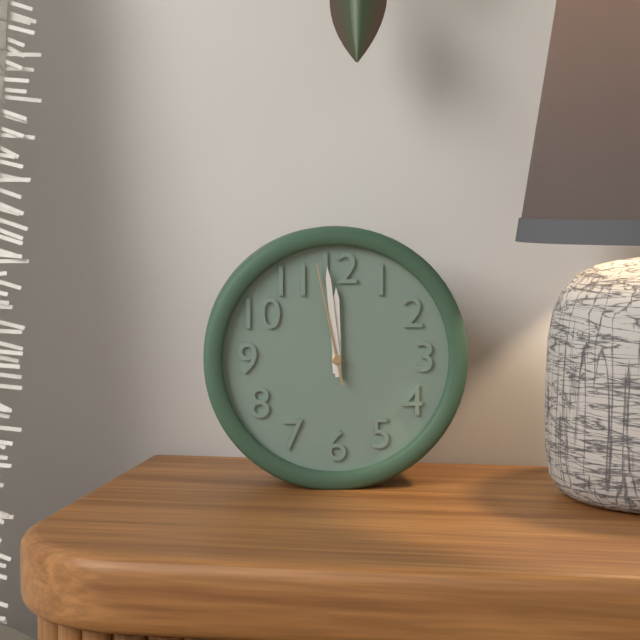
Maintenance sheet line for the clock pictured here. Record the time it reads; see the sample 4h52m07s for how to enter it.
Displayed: 11h59m58s
